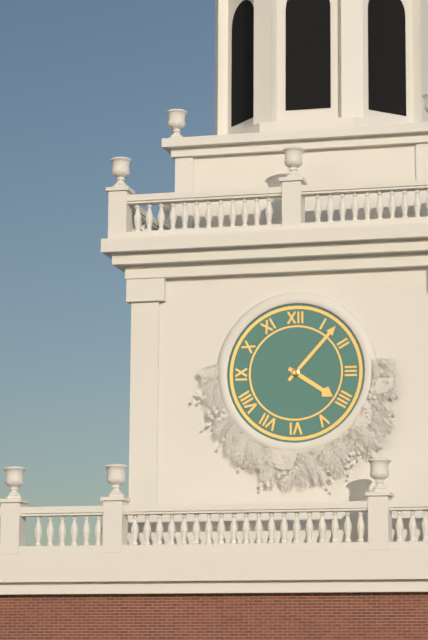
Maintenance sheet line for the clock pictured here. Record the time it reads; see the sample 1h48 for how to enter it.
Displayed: 4h07
